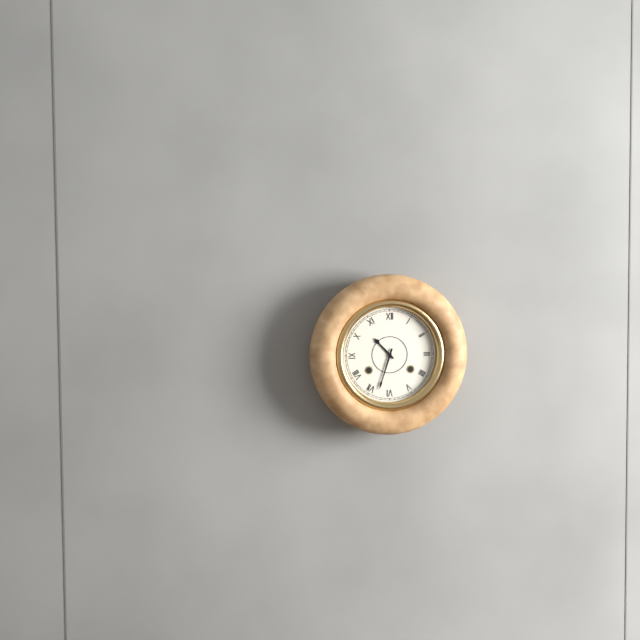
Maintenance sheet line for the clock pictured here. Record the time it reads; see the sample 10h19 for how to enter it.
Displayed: 10h33
